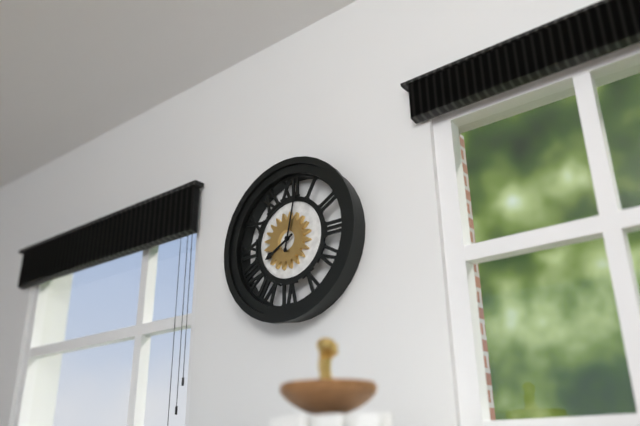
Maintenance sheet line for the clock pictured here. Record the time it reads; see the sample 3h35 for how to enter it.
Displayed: 8h02
